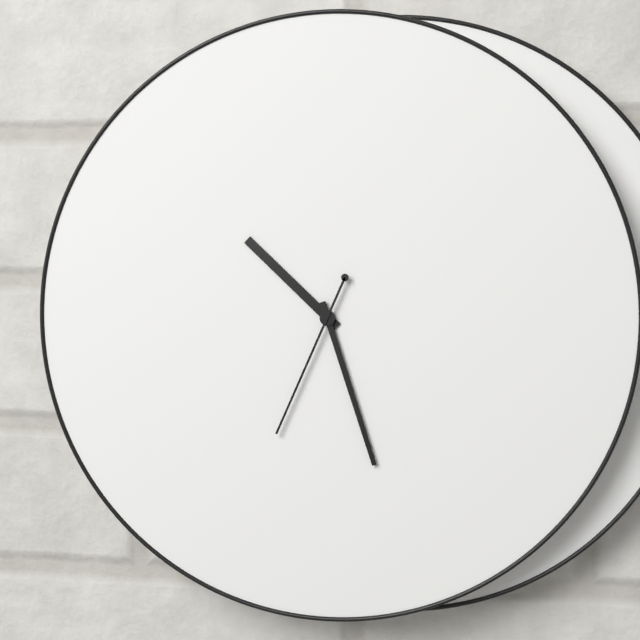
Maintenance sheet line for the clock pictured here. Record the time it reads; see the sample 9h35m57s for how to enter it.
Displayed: 10h27m34s
